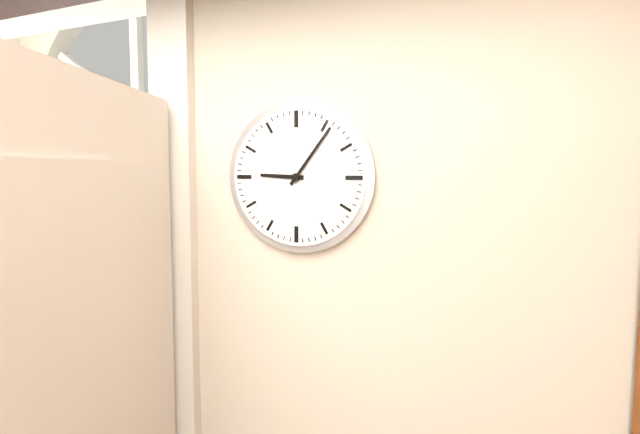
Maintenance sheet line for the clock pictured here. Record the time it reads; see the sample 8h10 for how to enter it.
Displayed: 9h06
